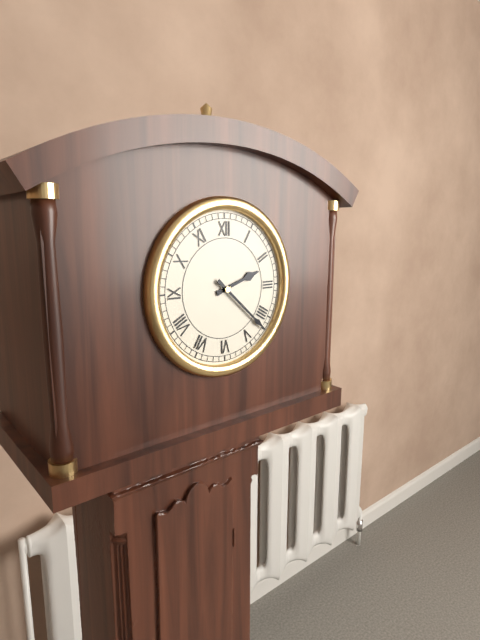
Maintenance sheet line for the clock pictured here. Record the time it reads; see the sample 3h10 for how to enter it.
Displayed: 2h22
